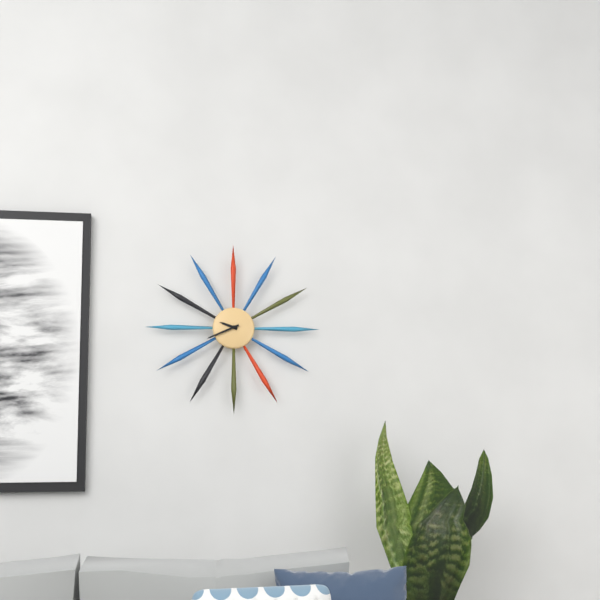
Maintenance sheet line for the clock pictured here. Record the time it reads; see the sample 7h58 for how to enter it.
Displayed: 9h41
